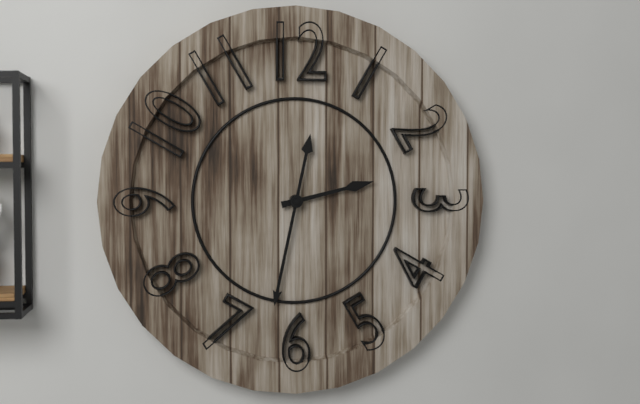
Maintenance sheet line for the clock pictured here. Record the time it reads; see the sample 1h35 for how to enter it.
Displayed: 2h32
